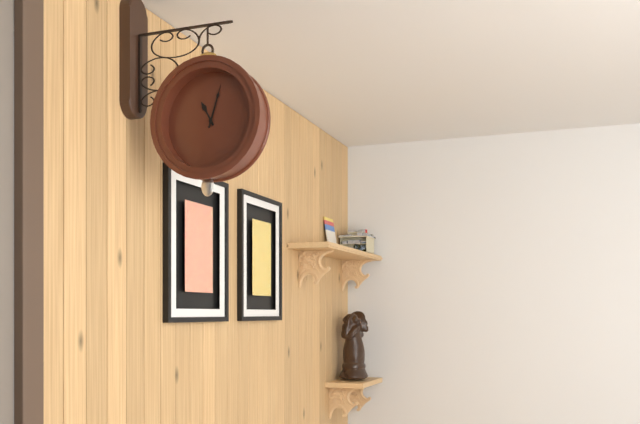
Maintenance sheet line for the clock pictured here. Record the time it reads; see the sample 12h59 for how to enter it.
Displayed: 11h03
